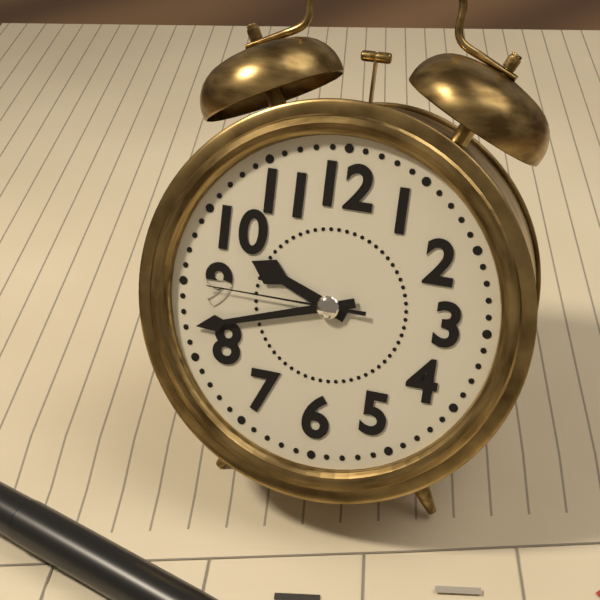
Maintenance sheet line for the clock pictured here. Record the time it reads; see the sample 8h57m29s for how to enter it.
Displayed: 9h42m45s
